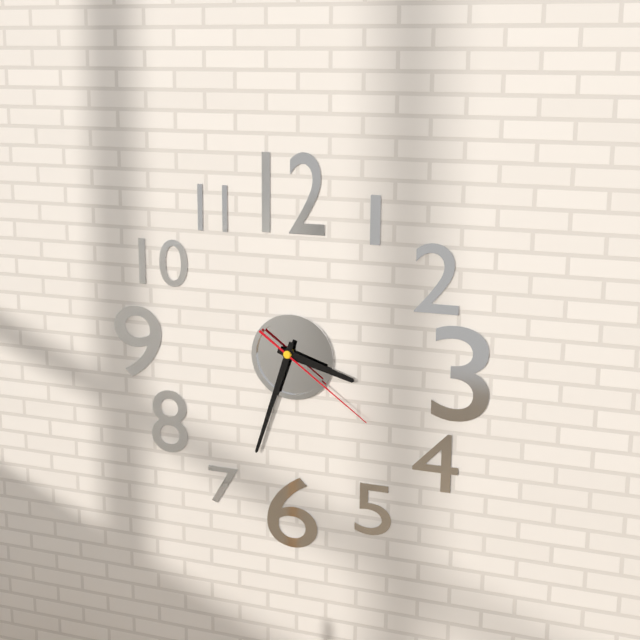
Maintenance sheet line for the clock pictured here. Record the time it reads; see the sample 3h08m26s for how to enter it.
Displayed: 3h33m21s
